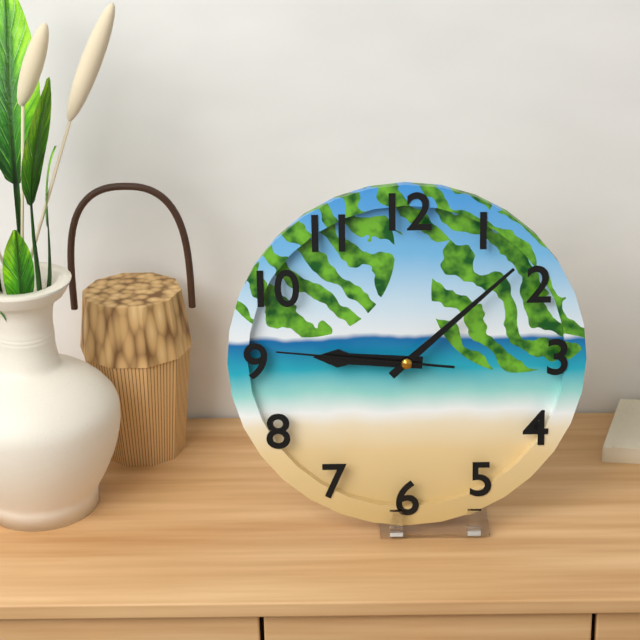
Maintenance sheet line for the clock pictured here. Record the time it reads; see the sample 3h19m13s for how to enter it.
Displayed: 9h08m46s
